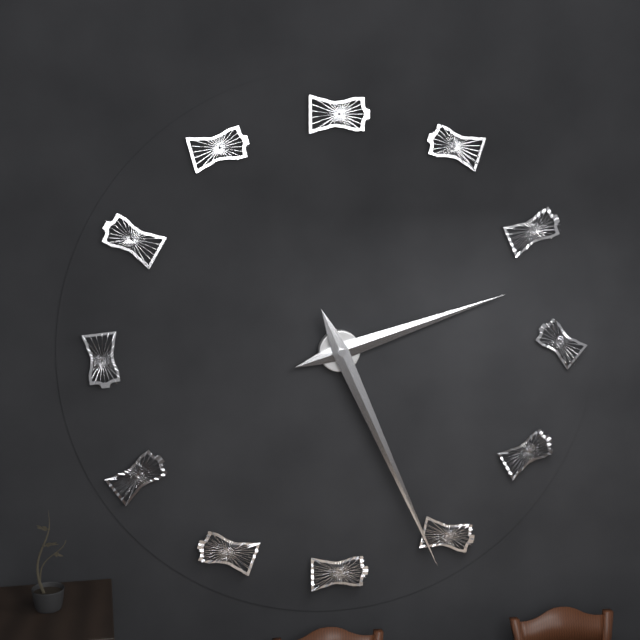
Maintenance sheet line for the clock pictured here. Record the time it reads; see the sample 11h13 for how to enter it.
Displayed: 2h26
